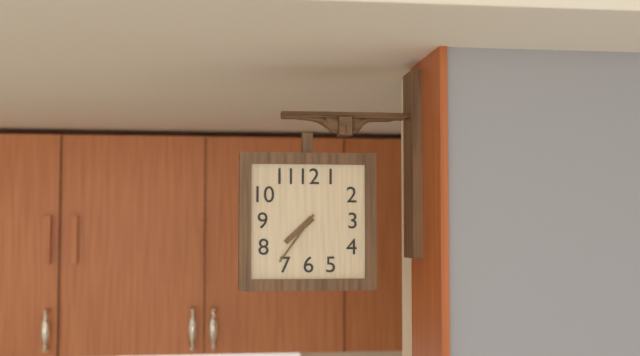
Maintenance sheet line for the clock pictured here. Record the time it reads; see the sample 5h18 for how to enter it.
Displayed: 7h36
